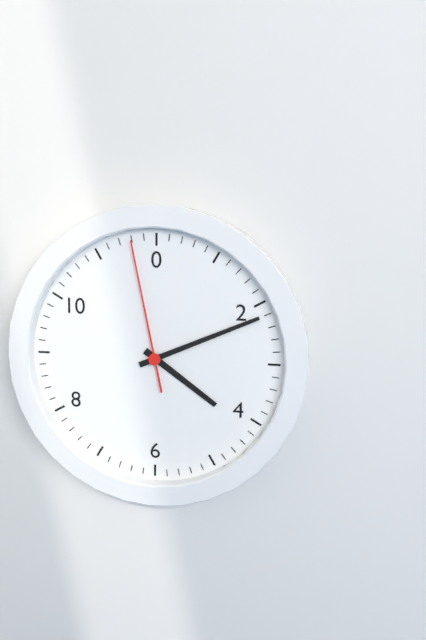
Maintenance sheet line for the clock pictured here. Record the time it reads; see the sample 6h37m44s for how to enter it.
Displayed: 4h11m58s
